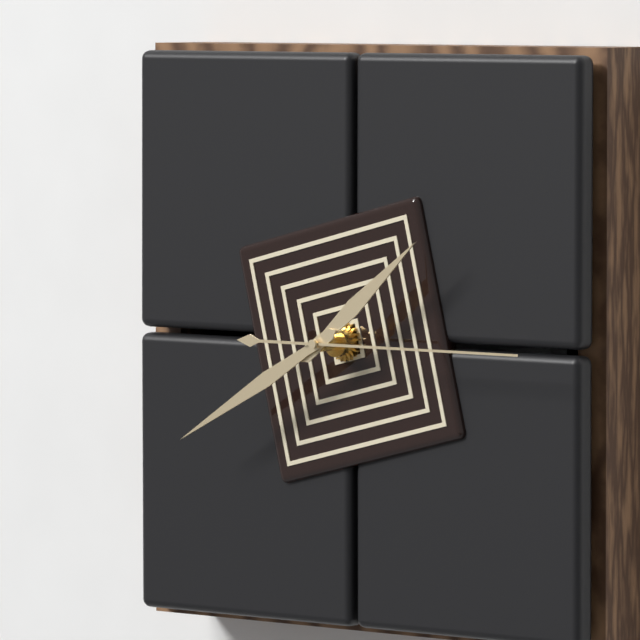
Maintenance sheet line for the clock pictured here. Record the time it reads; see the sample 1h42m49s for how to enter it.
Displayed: 1h40m15s
